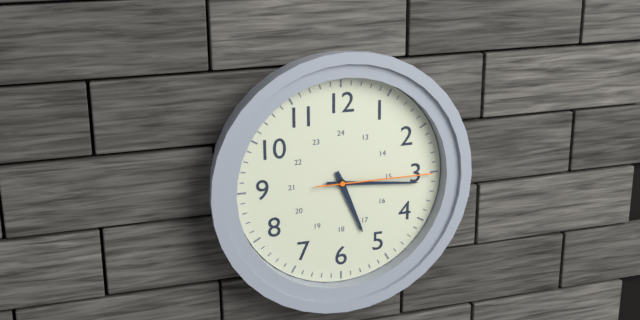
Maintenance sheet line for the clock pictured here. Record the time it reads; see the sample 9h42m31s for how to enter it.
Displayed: 5h16m15s
